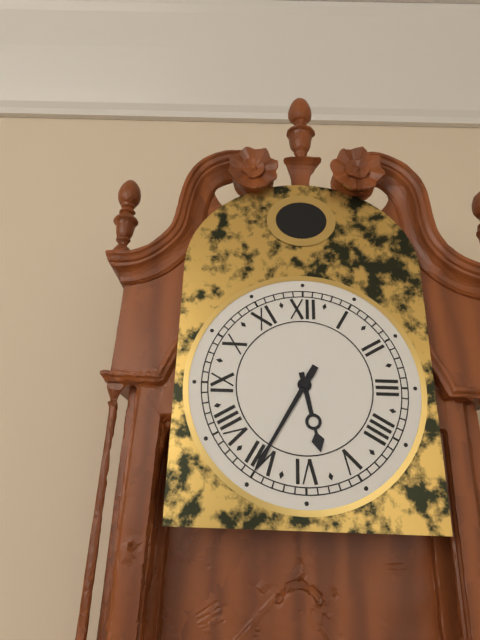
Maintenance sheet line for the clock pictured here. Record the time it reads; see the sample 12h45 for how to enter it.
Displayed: 5h35
